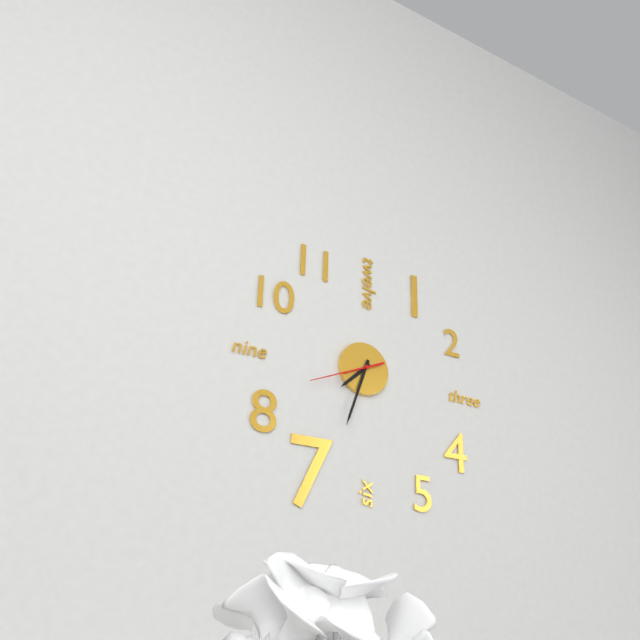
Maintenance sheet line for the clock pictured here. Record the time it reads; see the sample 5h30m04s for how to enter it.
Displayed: 7h33m41s
